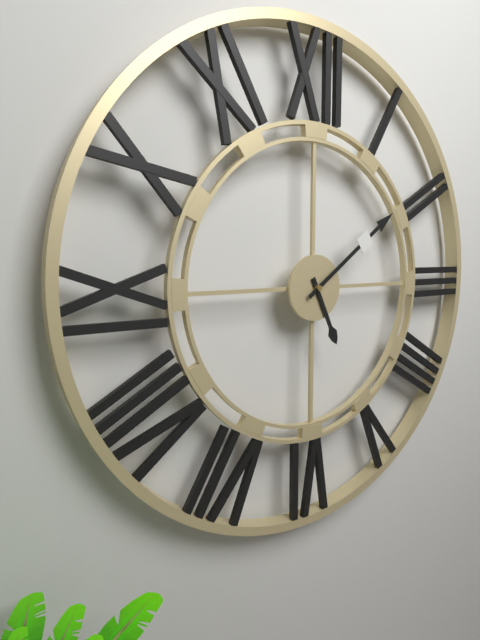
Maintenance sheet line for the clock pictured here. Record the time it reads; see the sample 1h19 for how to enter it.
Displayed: 5h09
